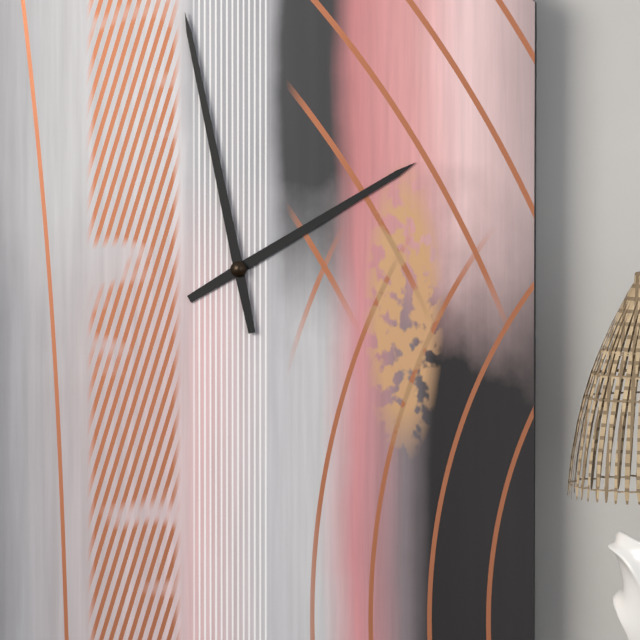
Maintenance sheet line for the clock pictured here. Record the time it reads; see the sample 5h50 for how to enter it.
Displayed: 1h58
